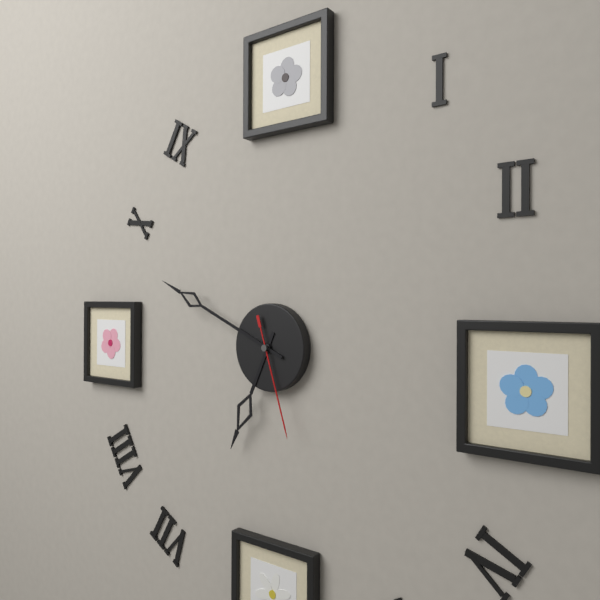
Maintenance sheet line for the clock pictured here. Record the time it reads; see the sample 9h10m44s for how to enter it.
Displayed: 6h49m27s
